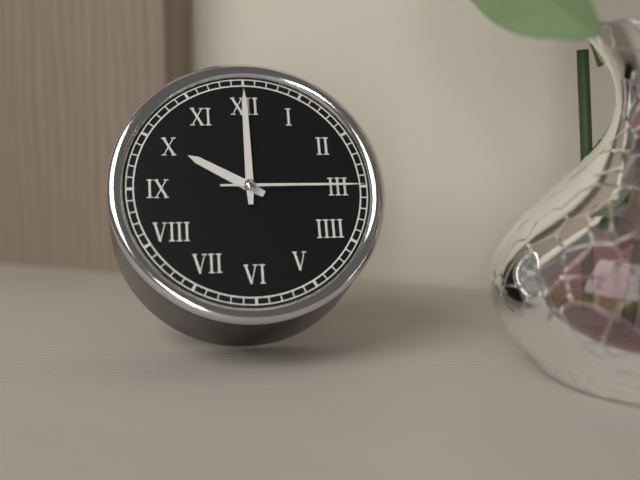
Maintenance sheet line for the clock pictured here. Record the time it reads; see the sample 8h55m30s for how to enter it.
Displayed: 10h00m15s
